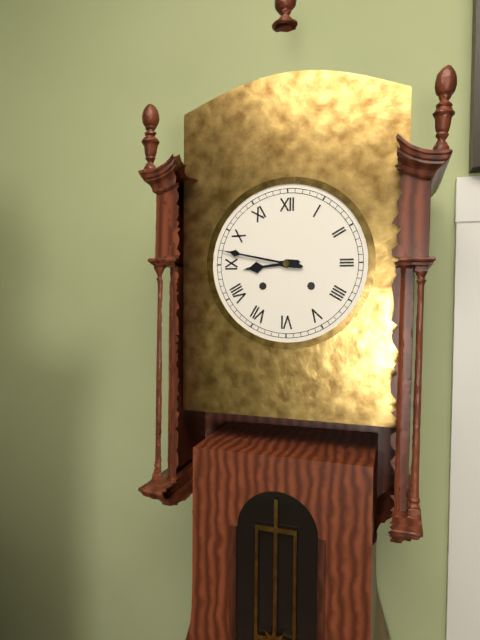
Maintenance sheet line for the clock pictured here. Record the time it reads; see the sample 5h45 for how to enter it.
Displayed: 8h47
